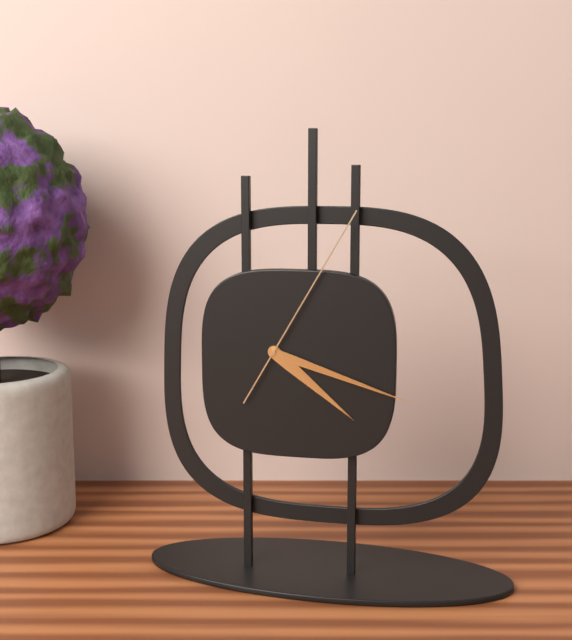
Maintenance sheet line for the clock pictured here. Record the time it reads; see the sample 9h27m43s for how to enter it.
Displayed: 4h18m05s
